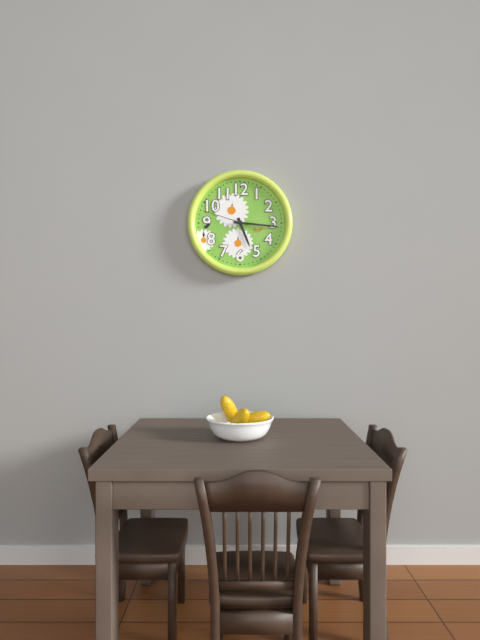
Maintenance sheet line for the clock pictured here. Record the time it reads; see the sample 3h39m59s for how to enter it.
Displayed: 5h16m48s
